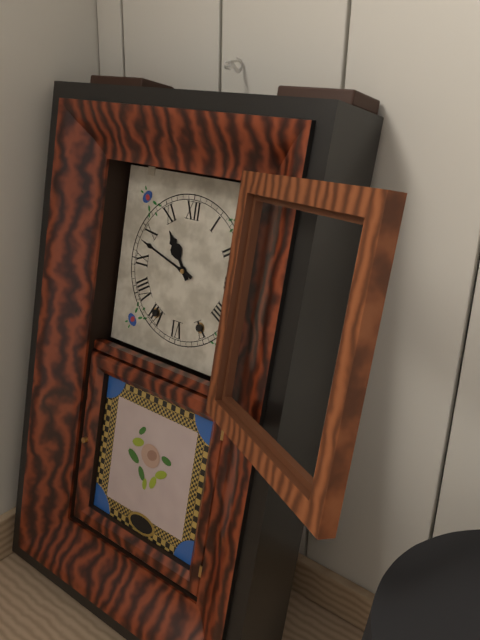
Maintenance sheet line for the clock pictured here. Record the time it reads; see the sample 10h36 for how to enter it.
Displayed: 10h48
